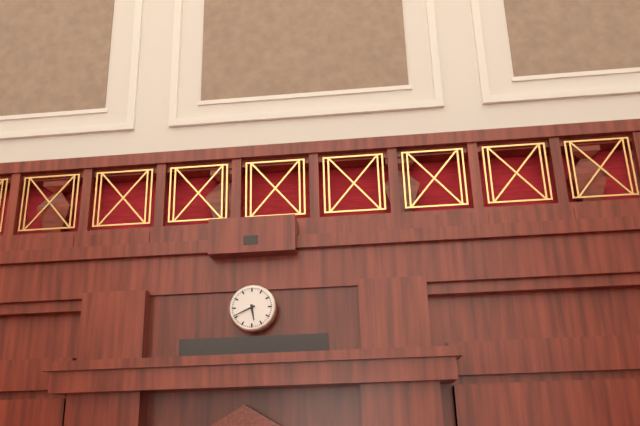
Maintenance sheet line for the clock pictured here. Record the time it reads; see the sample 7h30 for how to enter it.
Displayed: 5h41
